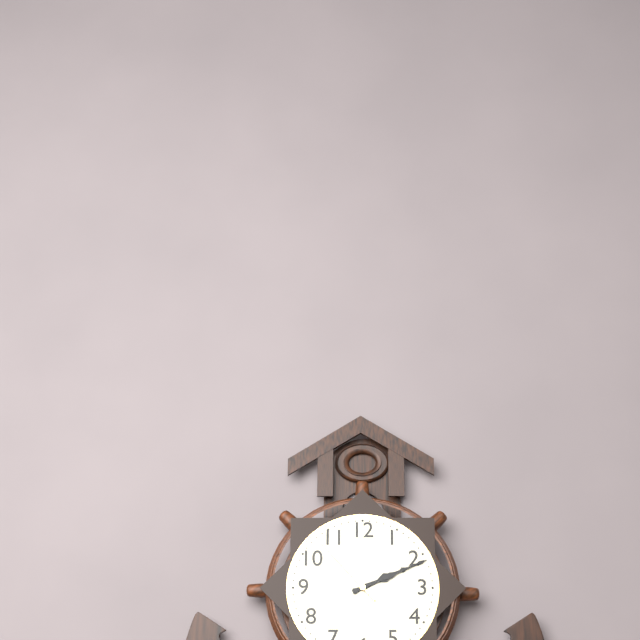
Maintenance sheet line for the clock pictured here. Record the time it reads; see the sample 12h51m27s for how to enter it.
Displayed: 2h11m53s
